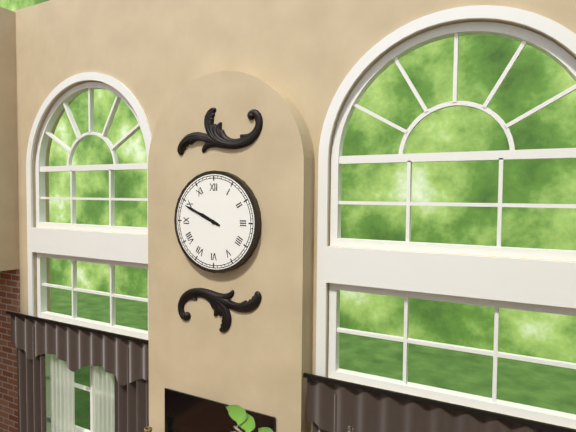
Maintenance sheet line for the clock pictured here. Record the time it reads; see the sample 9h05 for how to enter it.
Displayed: 9h49
